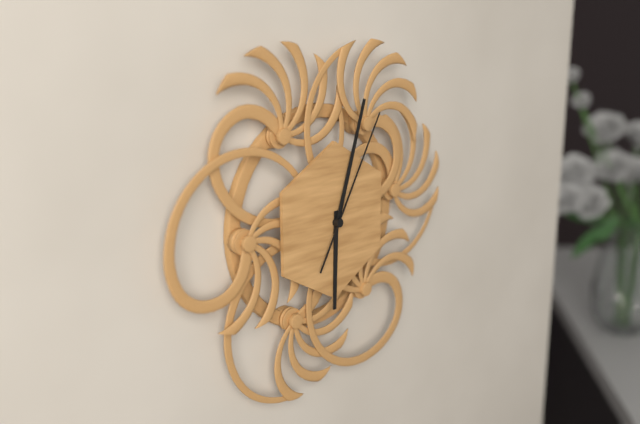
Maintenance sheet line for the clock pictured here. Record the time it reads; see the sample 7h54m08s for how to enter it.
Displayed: 6h03m05s
